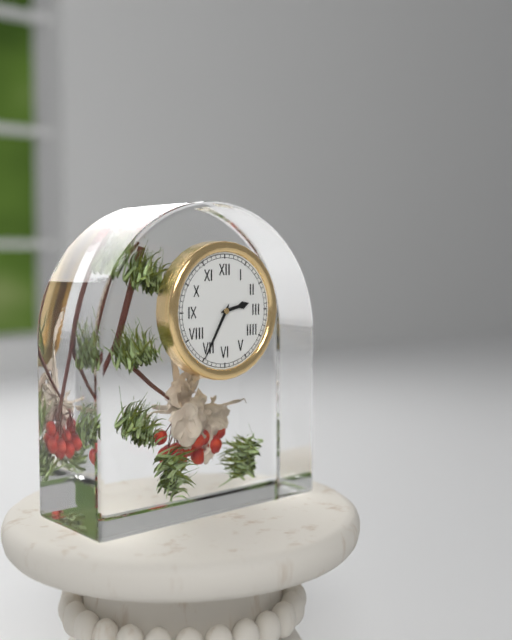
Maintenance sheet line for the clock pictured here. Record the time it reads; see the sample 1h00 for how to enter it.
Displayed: 2h35
